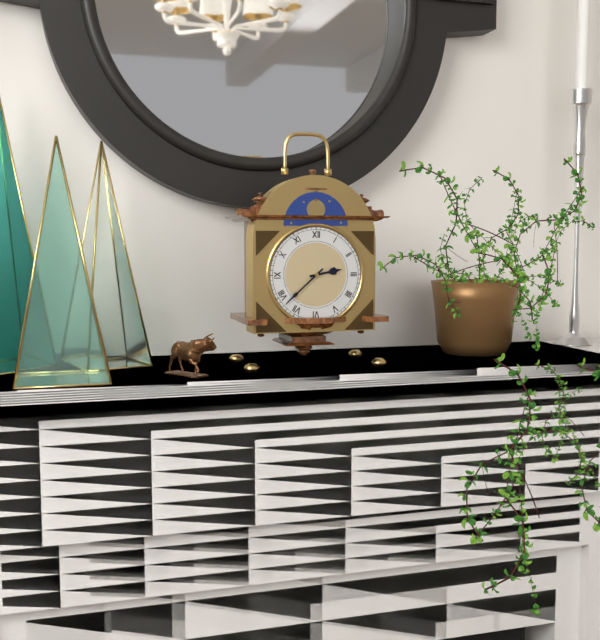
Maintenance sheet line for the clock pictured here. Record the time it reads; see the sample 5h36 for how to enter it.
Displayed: 2h38
